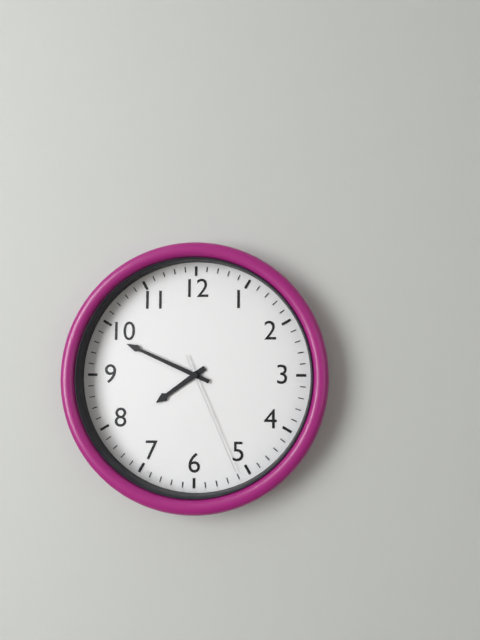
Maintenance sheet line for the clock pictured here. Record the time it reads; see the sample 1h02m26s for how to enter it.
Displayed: 7h49m26s
